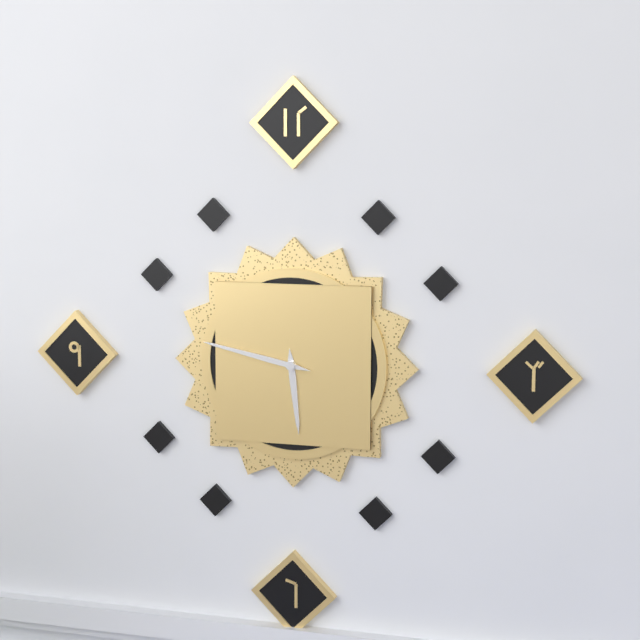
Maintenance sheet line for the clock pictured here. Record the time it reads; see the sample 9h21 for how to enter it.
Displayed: 5h47
